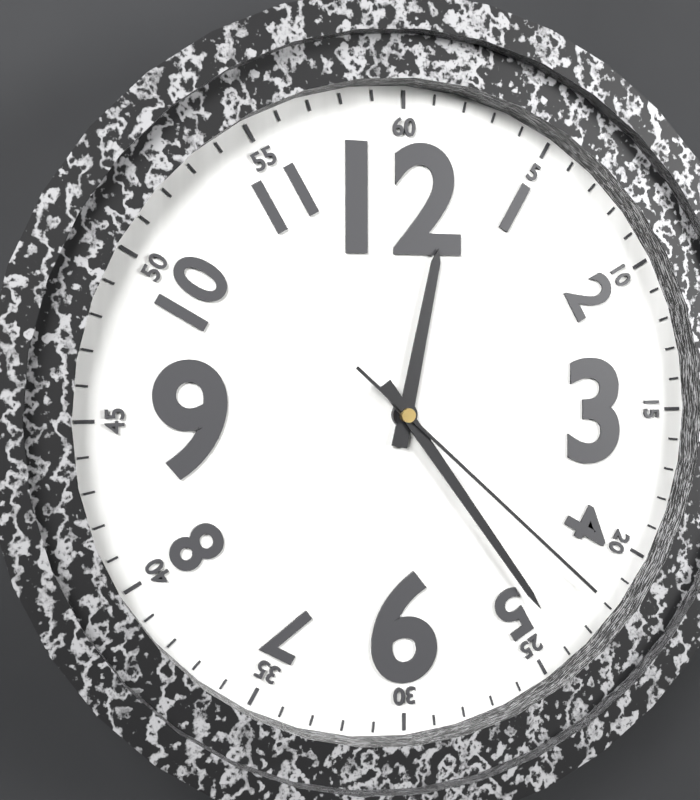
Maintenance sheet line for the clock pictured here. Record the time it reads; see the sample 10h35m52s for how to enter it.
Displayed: 12h24m22s
